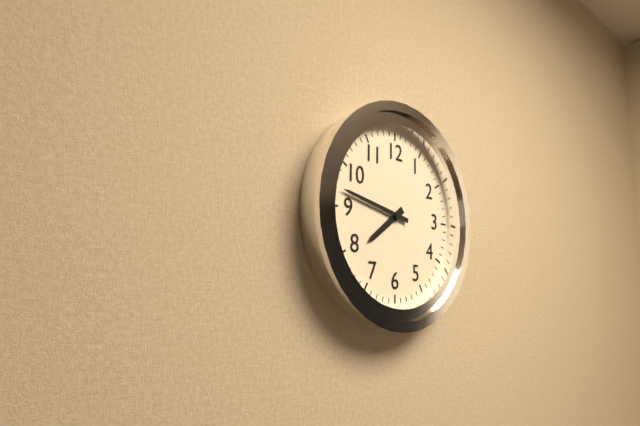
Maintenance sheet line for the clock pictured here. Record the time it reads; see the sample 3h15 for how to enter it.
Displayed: 7h47
